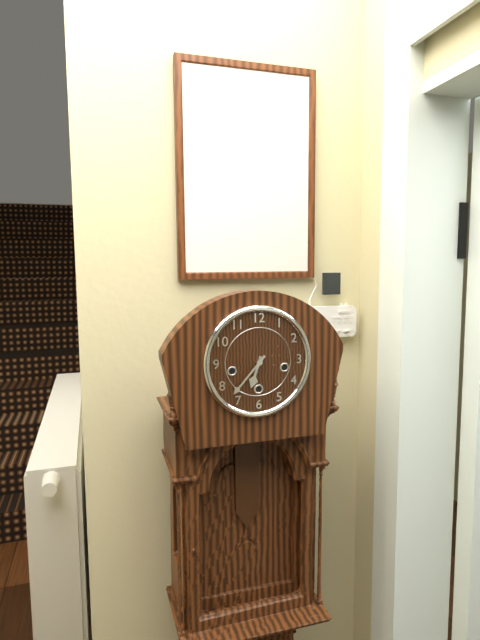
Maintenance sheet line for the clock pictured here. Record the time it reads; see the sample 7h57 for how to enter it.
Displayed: 6h37
